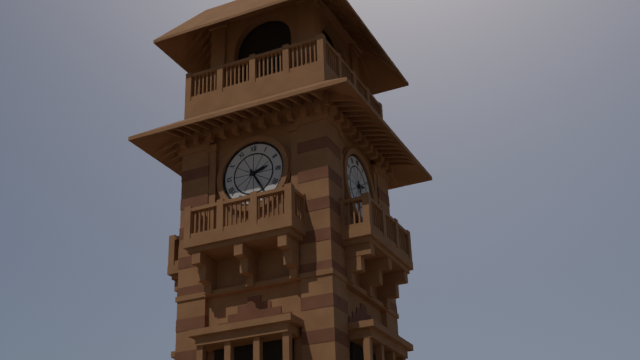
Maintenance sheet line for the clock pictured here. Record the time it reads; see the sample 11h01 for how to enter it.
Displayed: 2h25
